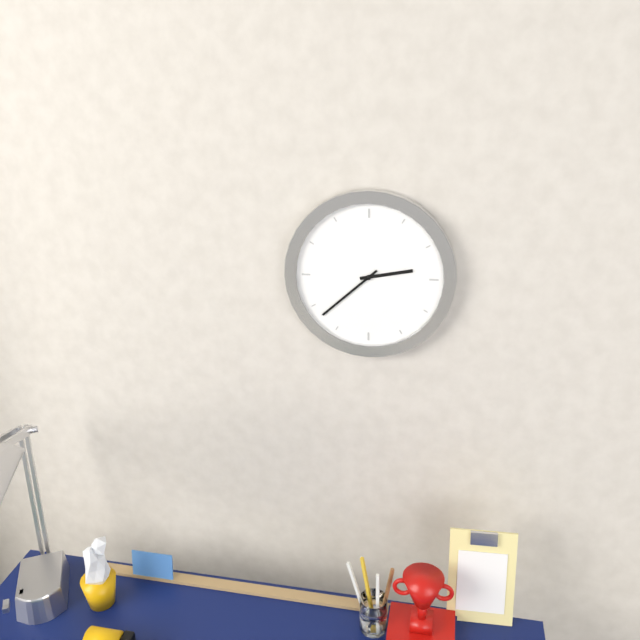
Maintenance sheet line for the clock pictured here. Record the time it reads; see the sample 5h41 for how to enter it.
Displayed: 2h38
